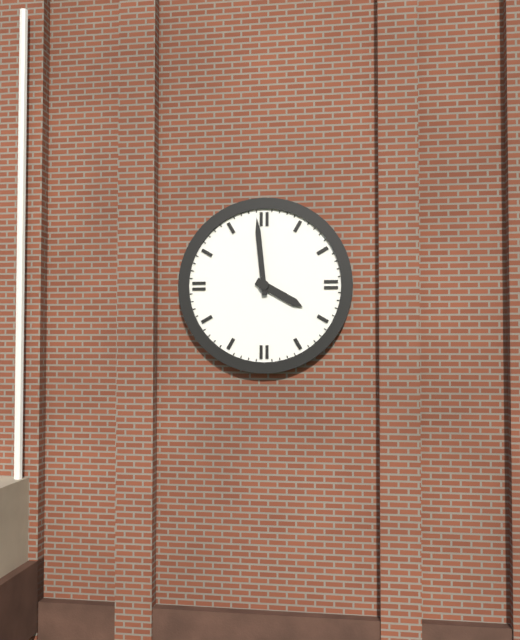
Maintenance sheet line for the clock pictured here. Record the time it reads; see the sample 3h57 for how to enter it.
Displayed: 3h59
